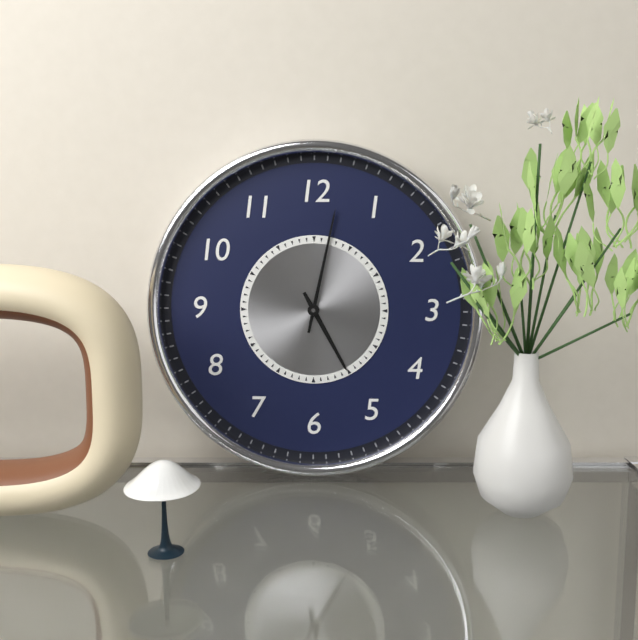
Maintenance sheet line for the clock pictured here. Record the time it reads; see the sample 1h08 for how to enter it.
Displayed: 5h02
